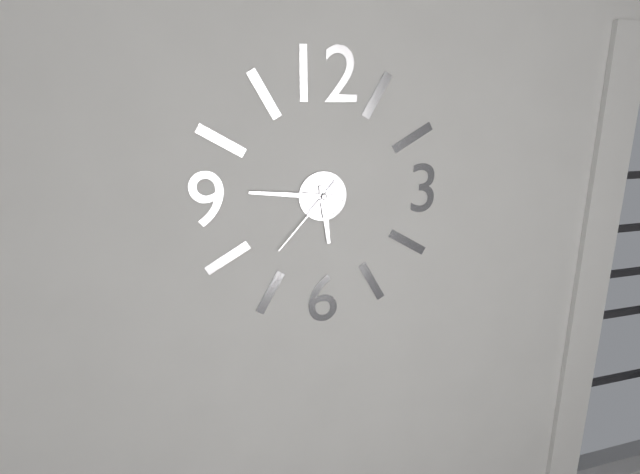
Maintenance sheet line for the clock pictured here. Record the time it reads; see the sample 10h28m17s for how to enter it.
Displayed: 5h46m37s
